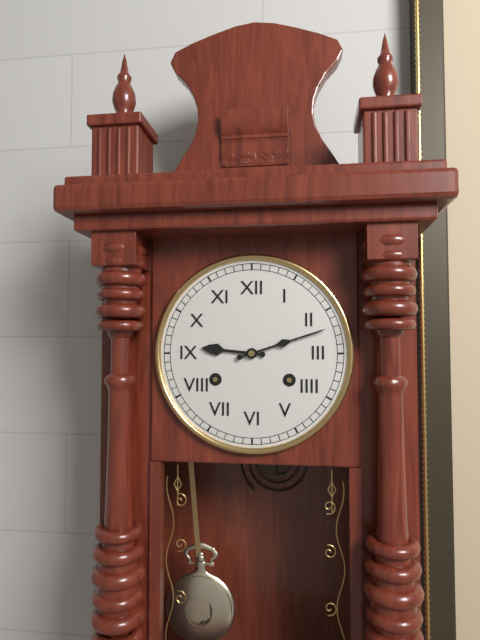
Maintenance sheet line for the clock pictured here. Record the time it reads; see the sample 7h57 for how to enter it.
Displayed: 9h12
